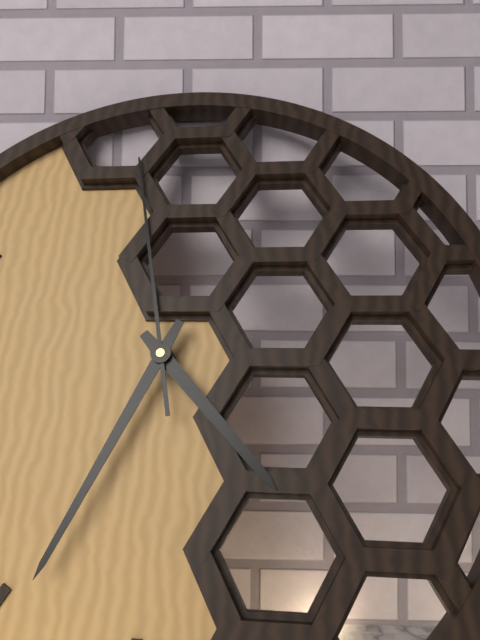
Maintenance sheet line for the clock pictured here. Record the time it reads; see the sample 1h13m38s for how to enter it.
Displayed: 4h34m58s
